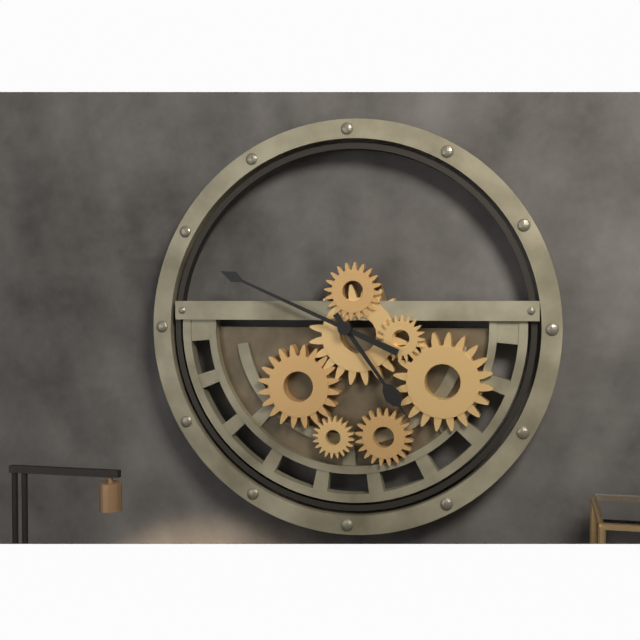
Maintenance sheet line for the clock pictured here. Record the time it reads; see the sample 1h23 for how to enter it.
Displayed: 4h49
